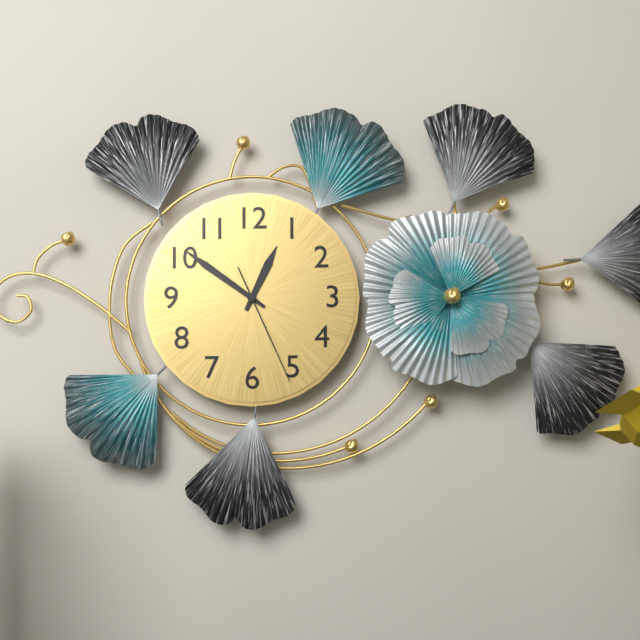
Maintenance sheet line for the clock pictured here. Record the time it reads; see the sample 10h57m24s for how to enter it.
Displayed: 12h51m26s
